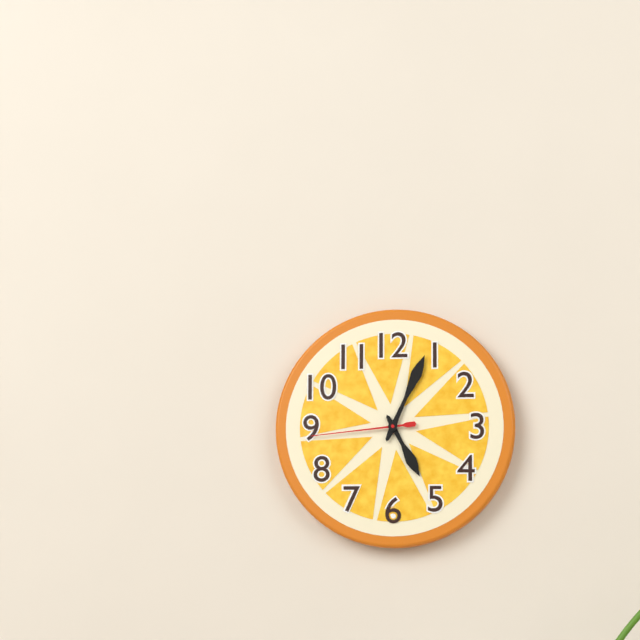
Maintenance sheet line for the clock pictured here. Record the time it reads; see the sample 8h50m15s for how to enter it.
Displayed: 5h04m44s
